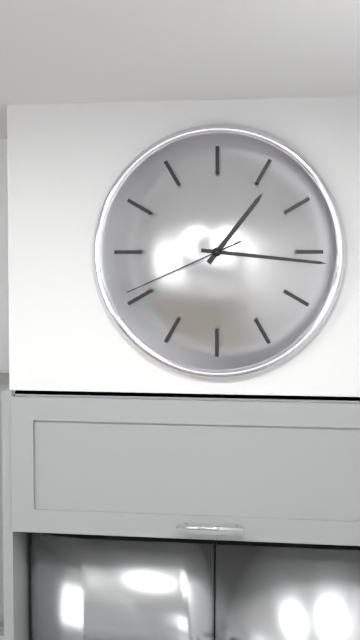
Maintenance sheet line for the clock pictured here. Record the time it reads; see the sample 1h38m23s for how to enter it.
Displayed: 1h16m41s
